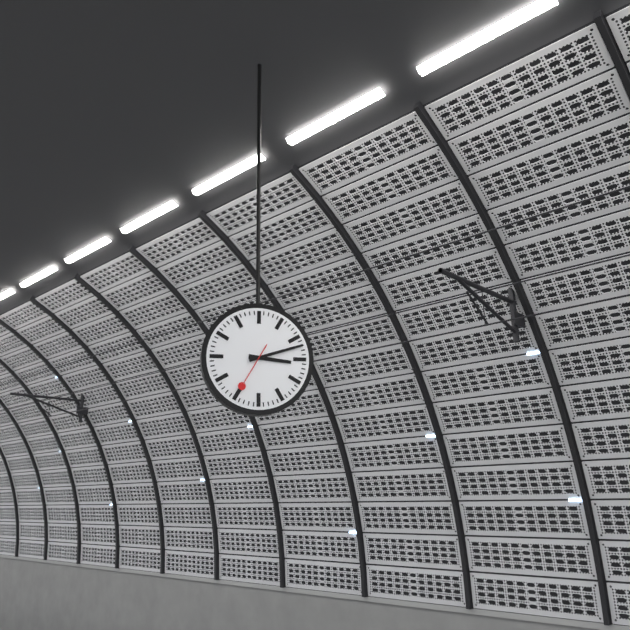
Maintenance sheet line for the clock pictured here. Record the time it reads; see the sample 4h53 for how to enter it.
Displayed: 3h12
